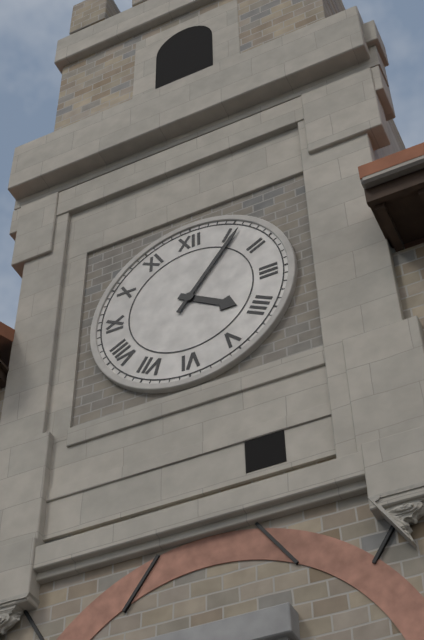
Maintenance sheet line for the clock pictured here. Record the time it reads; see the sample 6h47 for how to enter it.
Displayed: 4h06
